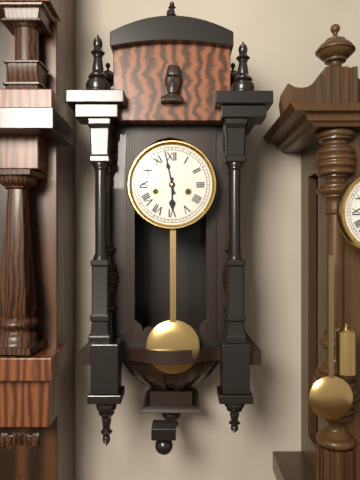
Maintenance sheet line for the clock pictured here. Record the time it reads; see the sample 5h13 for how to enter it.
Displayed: 5h58
